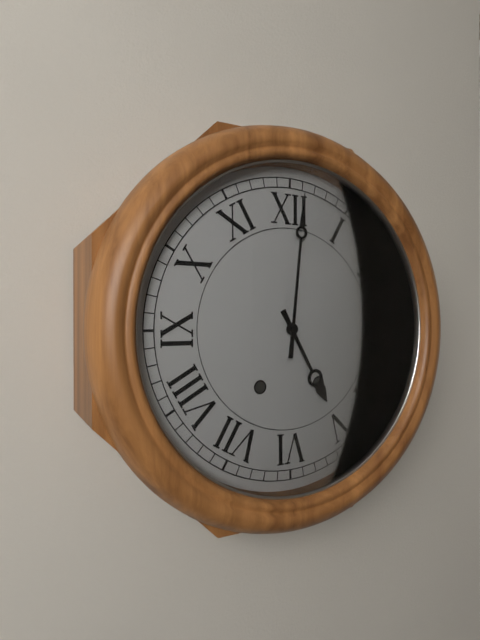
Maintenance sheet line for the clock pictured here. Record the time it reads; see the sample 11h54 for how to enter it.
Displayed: 5h01
